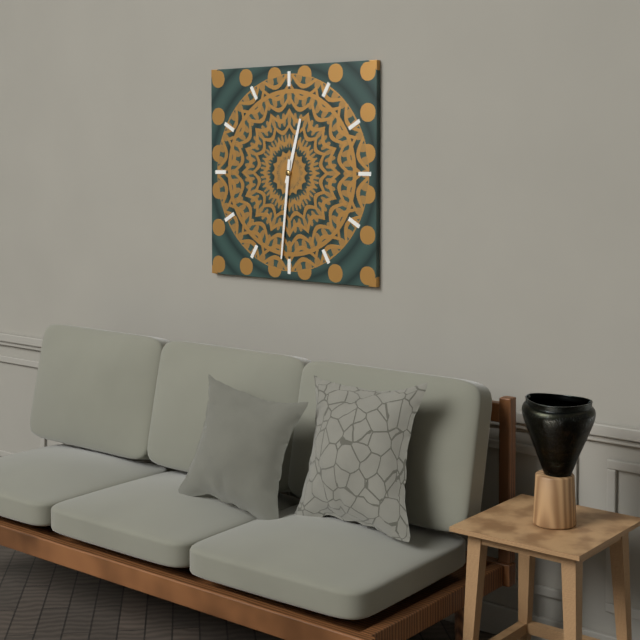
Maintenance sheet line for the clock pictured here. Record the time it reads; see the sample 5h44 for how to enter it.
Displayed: 12h31
